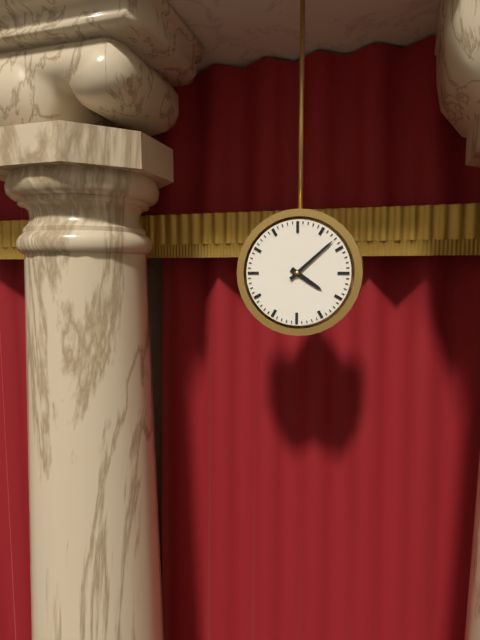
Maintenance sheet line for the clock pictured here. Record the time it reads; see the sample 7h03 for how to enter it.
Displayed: 4h08
